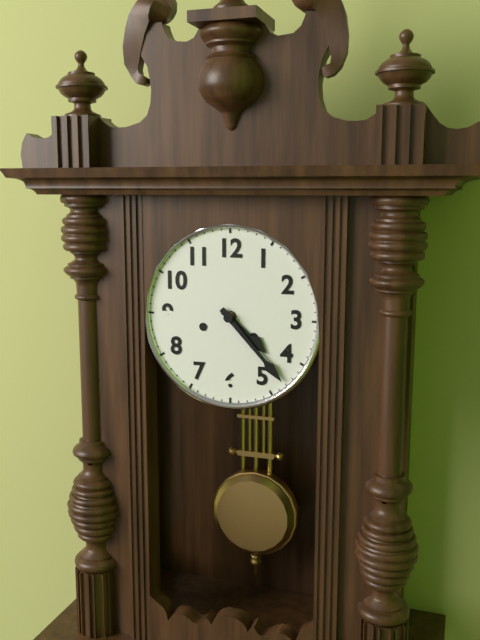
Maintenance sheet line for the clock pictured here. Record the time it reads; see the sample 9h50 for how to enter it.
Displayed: 4h23
